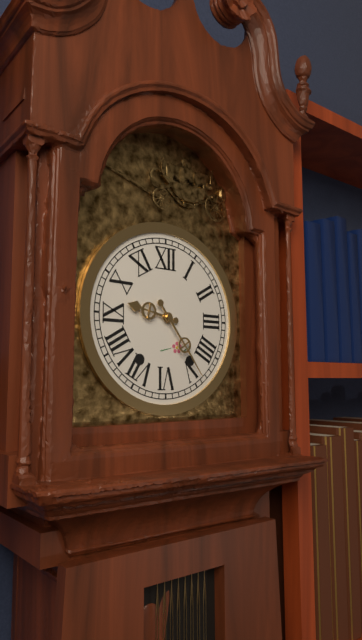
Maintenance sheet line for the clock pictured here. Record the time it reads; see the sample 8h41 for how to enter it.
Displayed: 9h24
